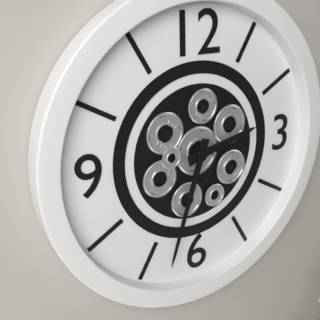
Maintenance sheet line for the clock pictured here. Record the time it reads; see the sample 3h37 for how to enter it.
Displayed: 2h33
